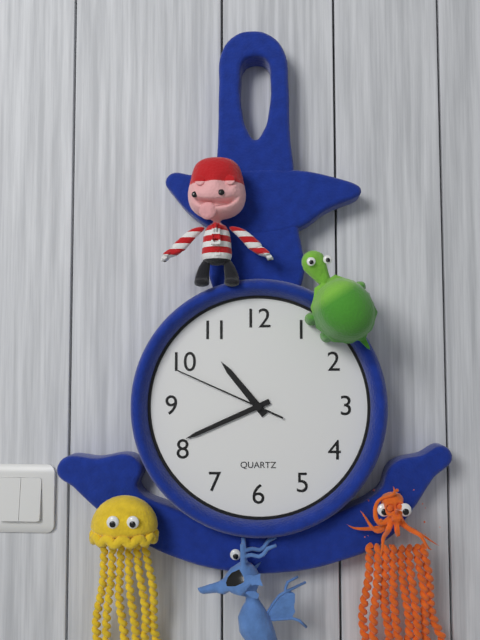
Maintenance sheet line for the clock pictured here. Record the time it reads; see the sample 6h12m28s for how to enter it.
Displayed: 10h41m49s
